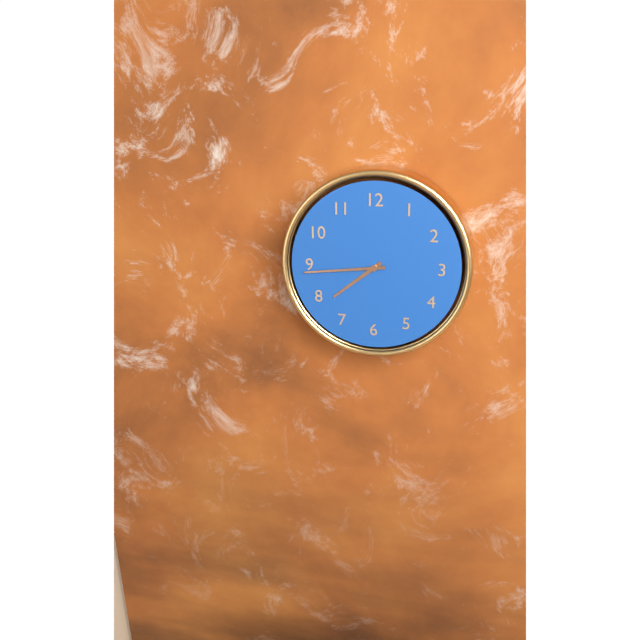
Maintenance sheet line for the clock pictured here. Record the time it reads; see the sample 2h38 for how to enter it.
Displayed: 7h44
